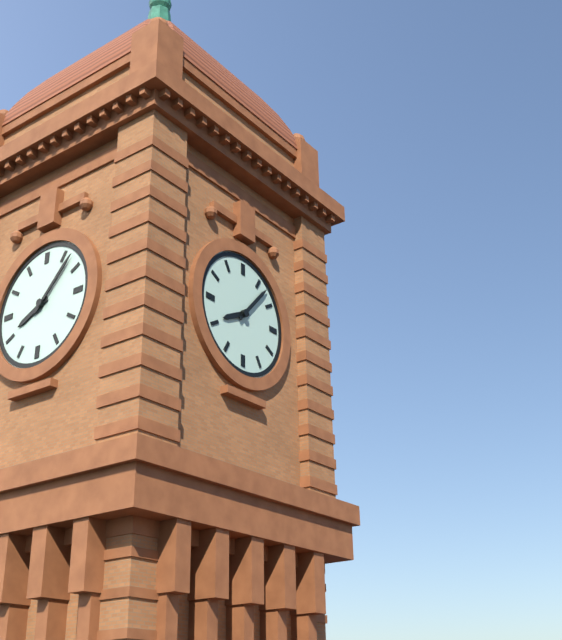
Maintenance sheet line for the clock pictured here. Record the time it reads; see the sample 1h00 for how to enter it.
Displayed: 8h07
